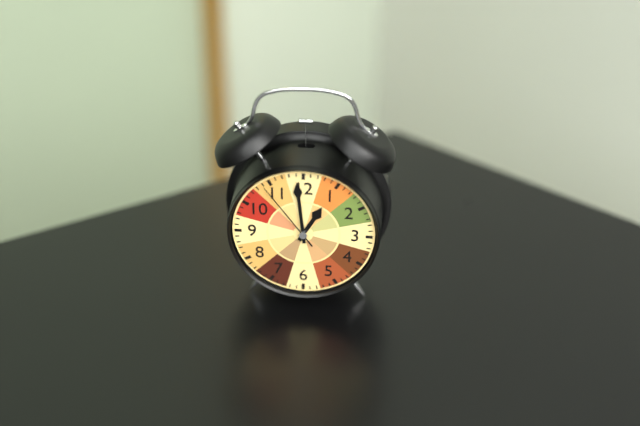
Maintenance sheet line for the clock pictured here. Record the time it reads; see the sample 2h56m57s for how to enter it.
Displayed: 12h59m54s
